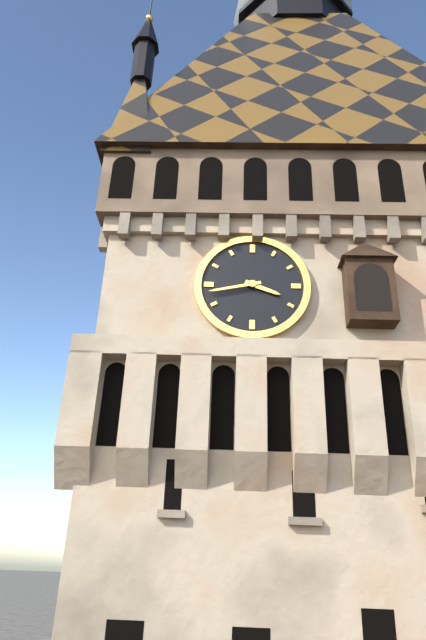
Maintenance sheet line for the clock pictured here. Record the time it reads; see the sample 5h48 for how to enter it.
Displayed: 3h43
